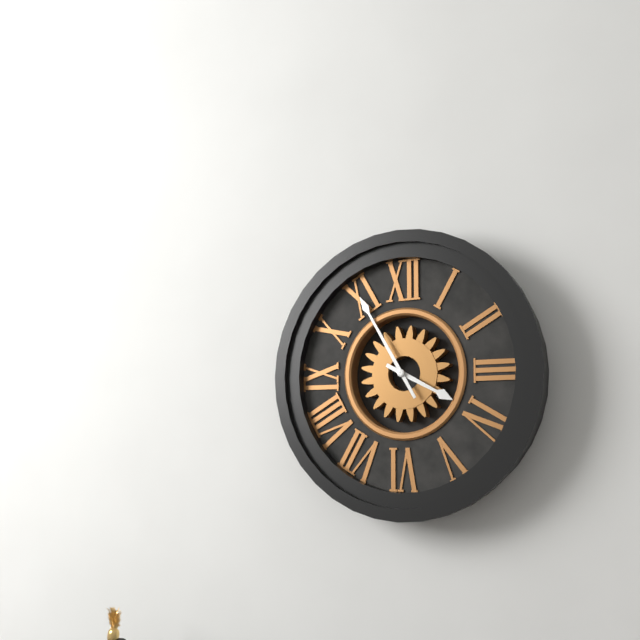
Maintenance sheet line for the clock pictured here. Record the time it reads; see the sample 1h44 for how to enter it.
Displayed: 3h55
